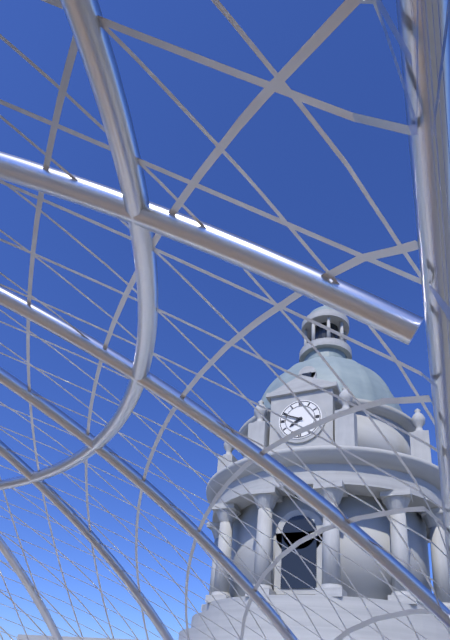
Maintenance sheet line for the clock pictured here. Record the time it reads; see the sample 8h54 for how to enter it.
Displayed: 7h49
